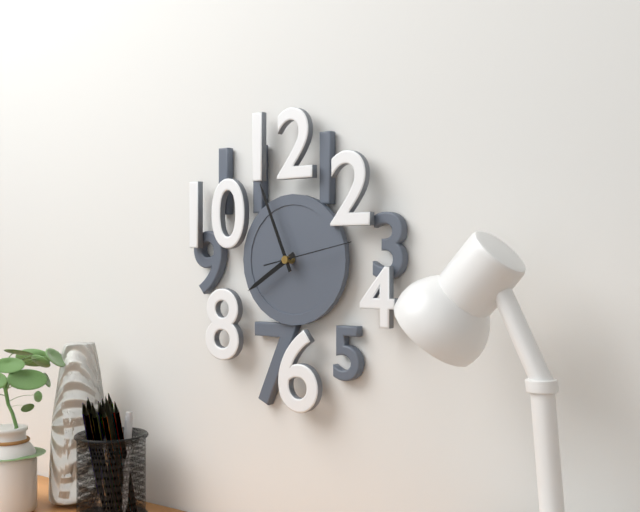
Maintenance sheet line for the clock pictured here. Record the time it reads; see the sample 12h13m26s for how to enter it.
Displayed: 7h56m13s
